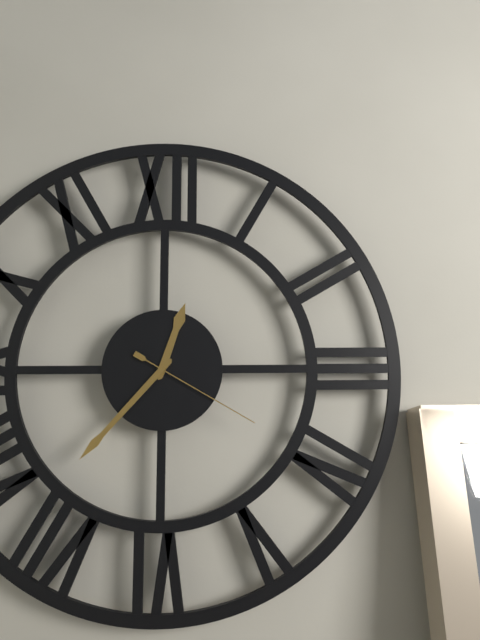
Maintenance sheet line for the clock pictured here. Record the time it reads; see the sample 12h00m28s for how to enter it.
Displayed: 12h37m20s
